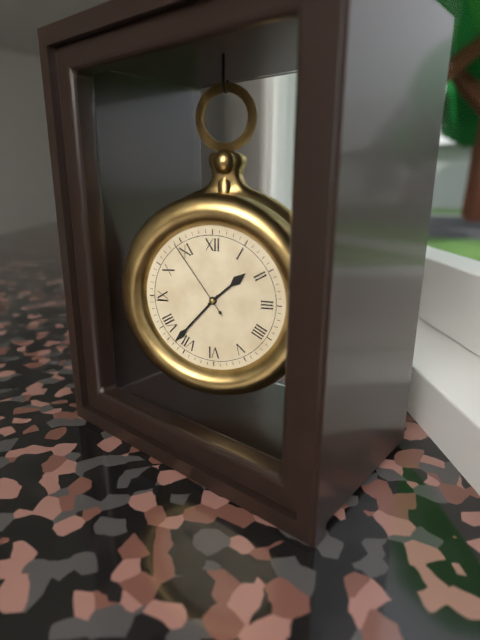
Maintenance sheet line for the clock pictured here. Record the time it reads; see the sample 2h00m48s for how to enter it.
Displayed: 1h37m54s
